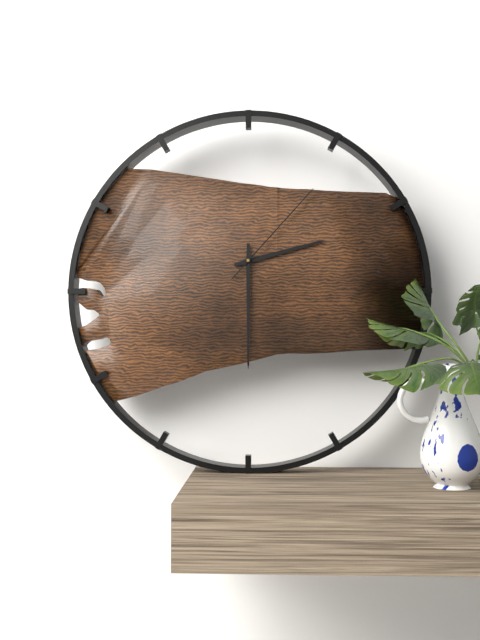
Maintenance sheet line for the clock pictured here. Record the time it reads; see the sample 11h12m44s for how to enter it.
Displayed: 2h30m07s
